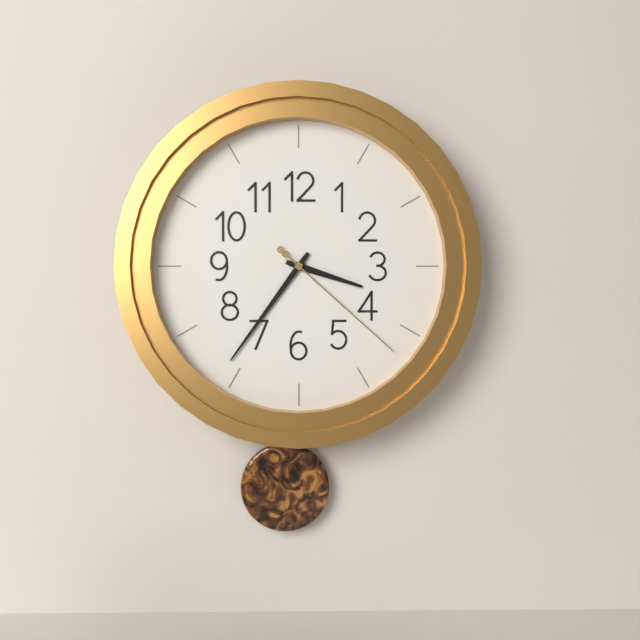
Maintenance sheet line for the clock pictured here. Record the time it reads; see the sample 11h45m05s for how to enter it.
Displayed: 3h36m22s
